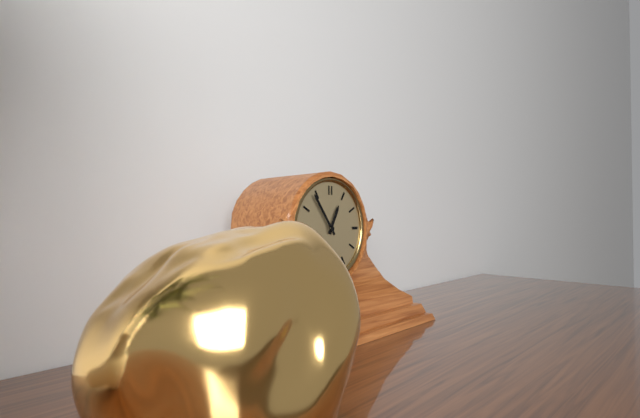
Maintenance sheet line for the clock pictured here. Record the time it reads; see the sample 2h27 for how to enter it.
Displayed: 12h54
